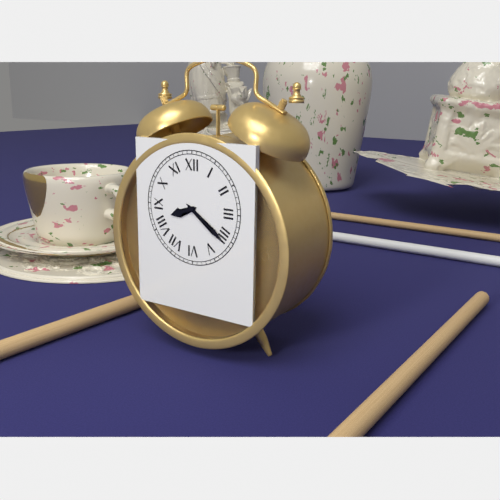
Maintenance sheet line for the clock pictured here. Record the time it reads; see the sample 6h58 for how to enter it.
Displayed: 8h21
